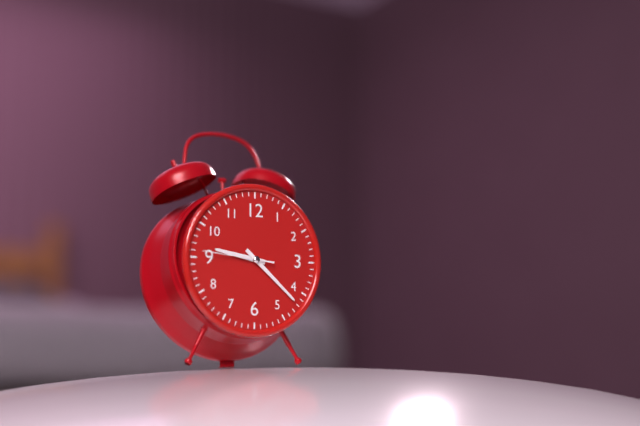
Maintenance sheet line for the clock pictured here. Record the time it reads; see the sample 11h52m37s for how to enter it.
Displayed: 9h22m46s
